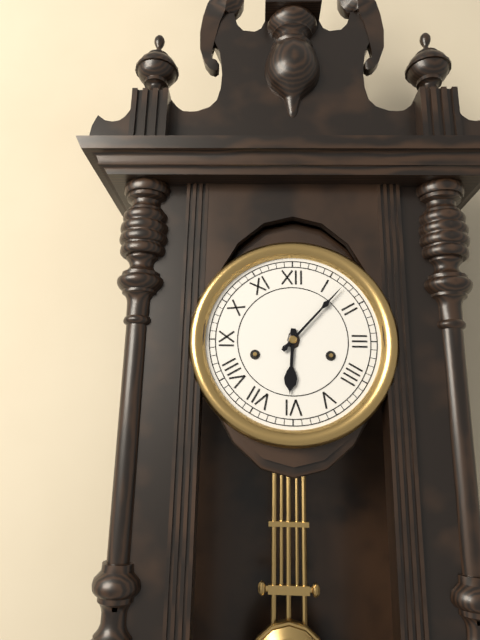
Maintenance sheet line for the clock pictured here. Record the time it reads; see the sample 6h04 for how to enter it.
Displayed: 6h07
